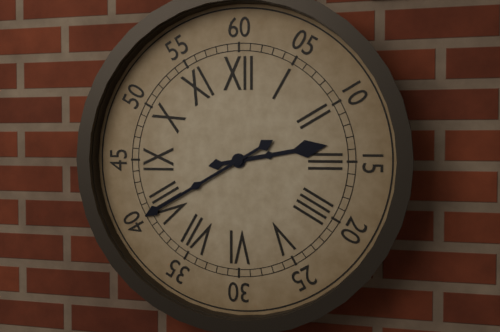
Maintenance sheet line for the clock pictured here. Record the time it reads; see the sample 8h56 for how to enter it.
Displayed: 2h40
